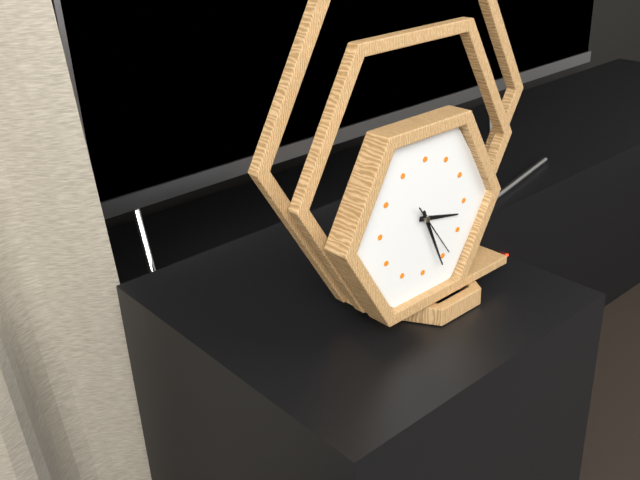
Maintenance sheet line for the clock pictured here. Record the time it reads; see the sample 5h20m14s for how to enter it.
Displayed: 3h26m24s
